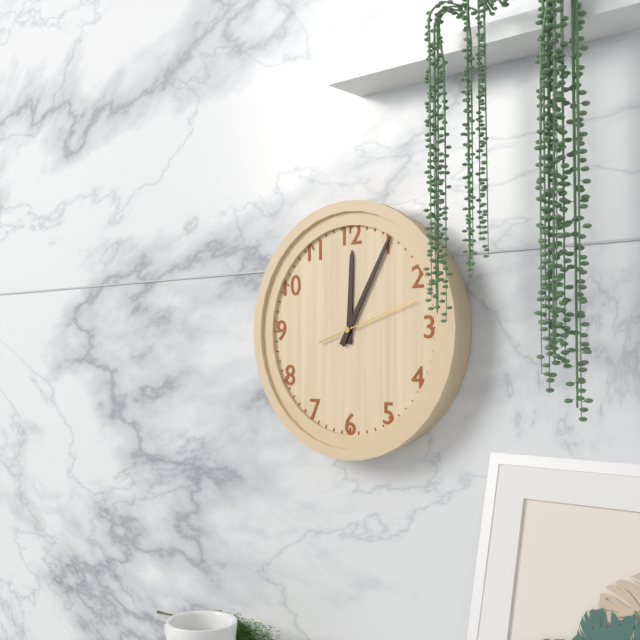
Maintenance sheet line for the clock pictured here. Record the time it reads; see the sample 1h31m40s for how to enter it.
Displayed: 12h05m12s
